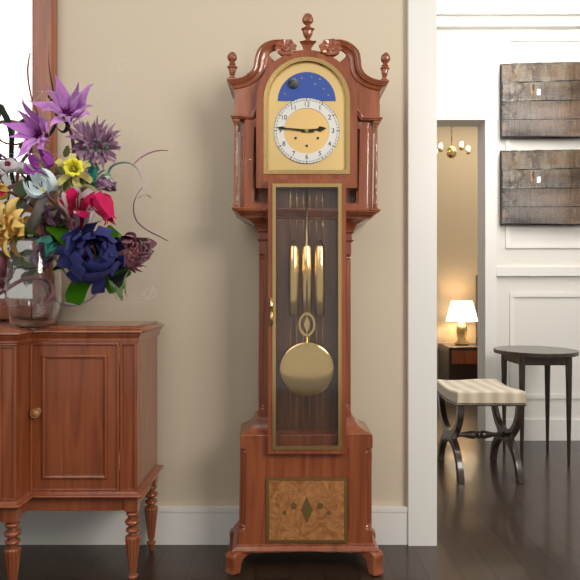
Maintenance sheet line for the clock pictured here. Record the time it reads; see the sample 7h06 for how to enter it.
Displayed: 2h46
